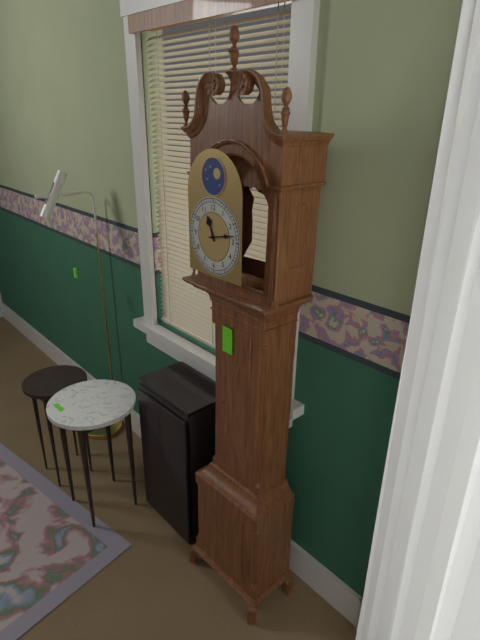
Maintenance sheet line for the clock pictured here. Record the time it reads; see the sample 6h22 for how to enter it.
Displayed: 11h13
